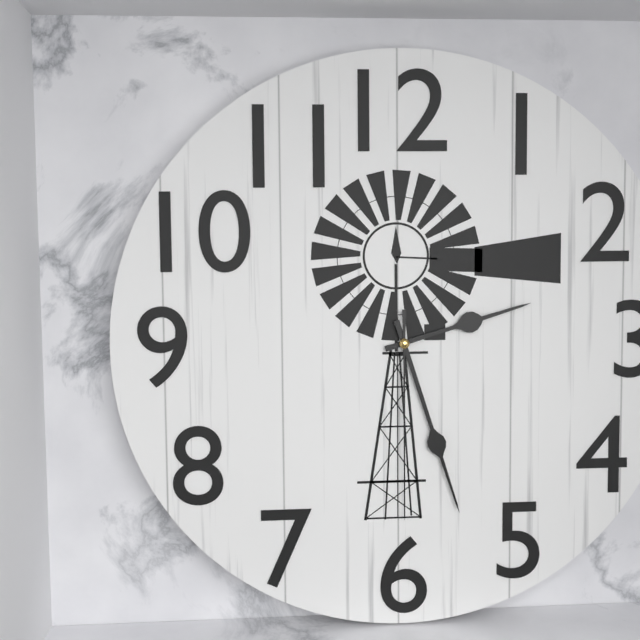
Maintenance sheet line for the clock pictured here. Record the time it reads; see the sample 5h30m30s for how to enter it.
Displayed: 2h27m30s
